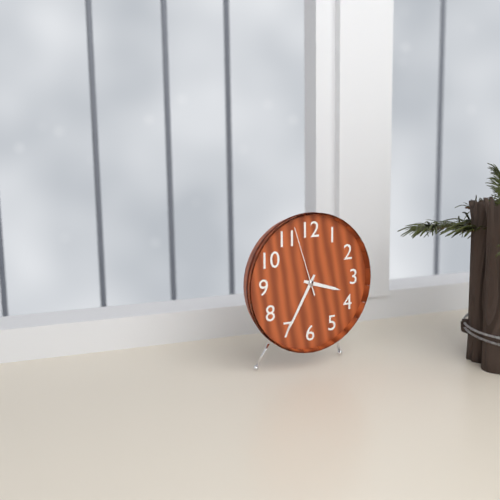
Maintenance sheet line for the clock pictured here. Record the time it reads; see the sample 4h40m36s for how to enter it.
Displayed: 3h35m57s
